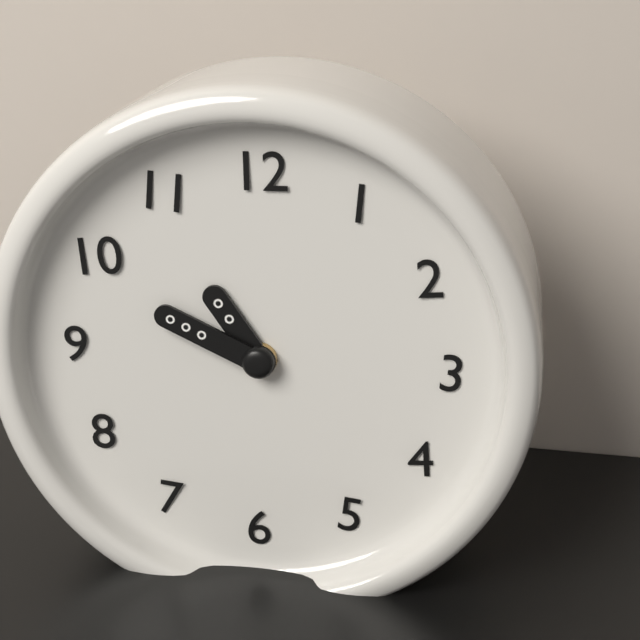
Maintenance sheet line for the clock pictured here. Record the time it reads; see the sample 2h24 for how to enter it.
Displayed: 10h49
